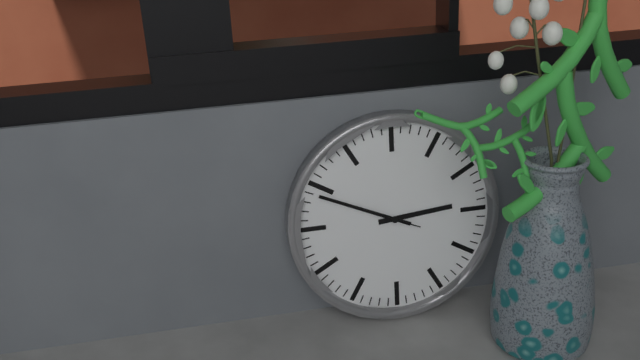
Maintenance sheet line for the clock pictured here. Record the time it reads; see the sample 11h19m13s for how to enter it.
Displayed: 2h49m49s
